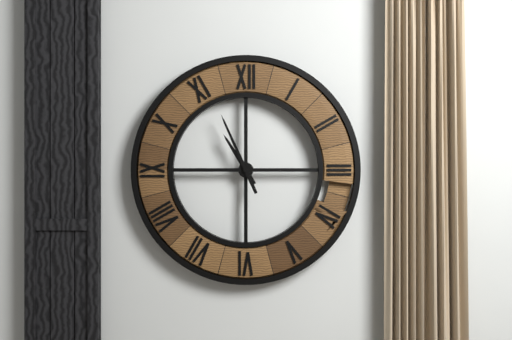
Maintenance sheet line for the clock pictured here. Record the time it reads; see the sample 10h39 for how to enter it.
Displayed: 10h56
